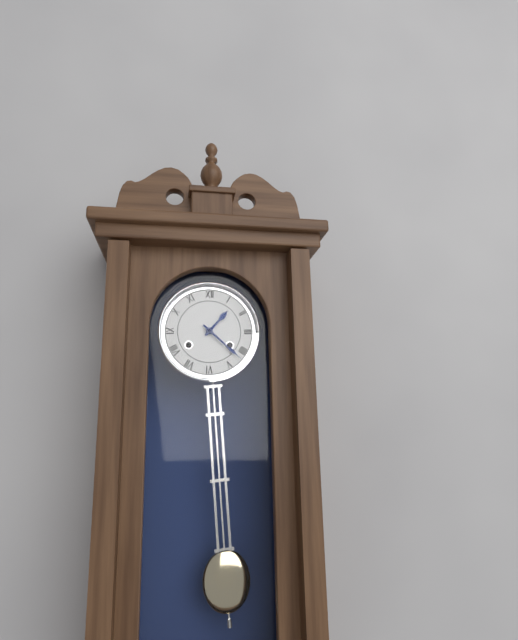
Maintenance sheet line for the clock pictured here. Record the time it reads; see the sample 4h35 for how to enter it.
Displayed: 1h22
